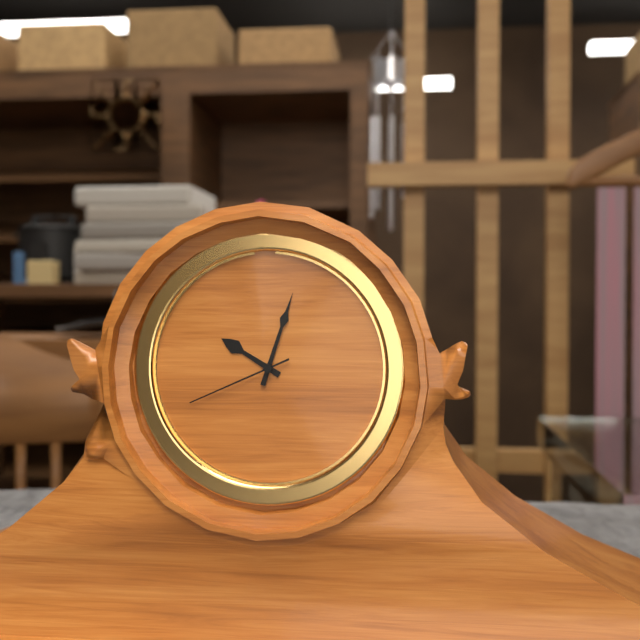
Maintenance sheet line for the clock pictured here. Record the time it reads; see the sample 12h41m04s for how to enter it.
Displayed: 10h03m41s
